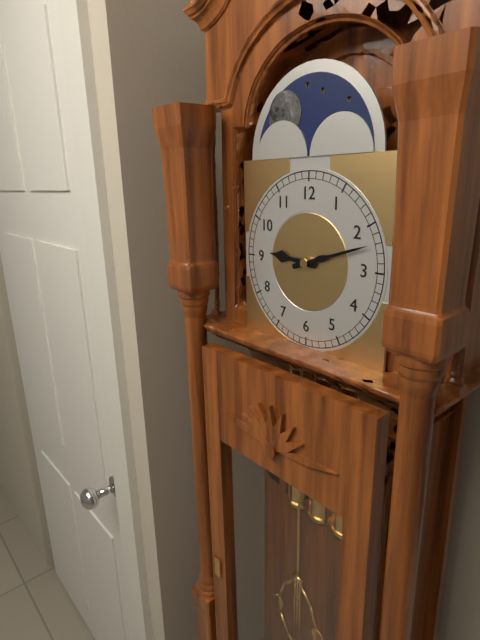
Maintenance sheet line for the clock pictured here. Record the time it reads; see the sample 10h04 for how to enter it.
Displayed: 9h12
